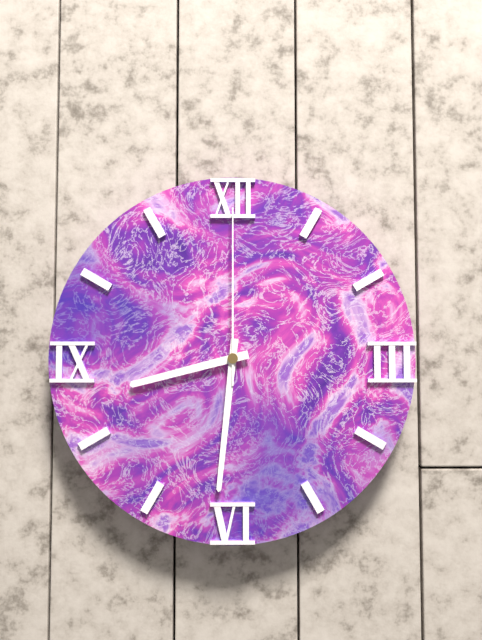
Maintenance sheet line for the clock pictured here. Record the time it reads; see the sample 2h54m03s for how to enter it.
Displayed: 8h31m00s
